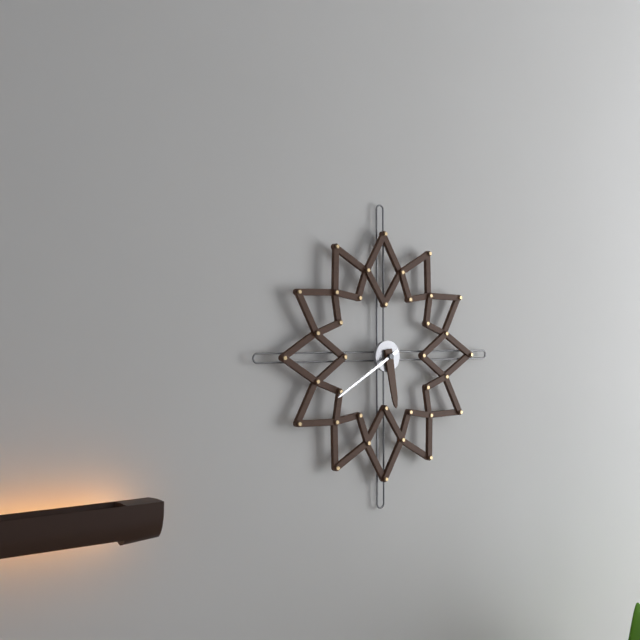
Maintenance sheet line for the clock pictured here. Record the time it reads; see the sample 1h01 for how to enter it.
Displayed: 5h40
